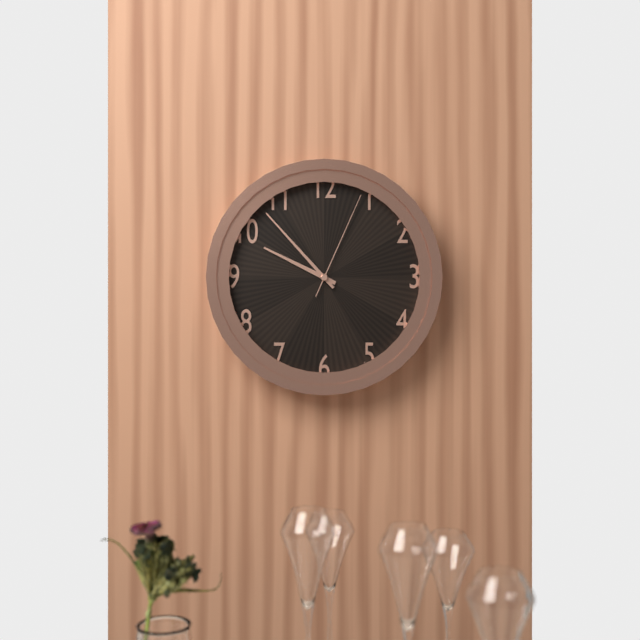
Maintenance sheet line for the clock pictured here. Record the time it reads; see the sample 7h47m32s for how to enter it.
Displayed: 9h53m04s
